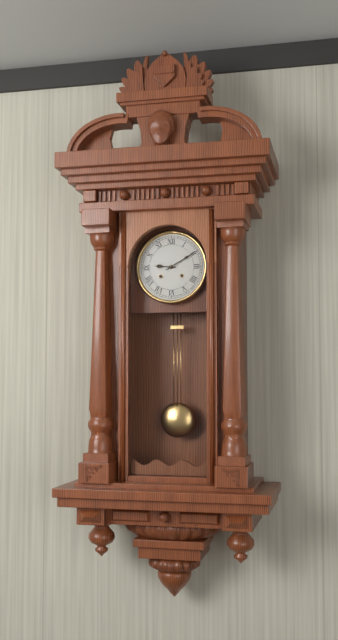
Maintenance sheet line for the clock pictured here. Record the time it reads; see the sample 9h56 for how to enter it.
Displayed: 9h10
